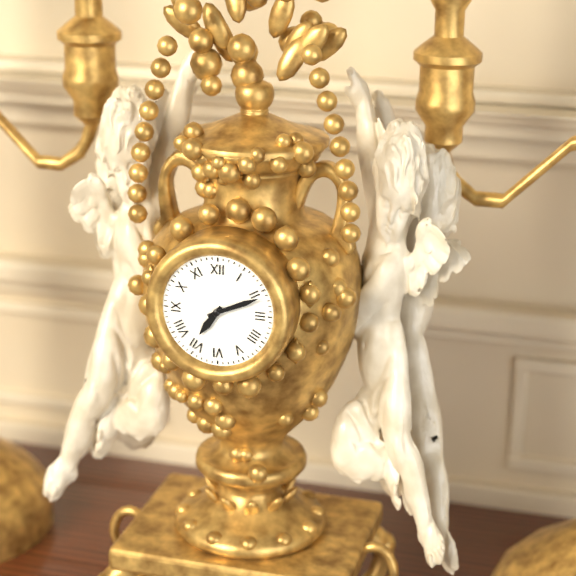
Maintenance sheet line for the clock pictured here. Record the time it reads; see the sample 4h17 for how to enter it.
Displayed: 7h11
